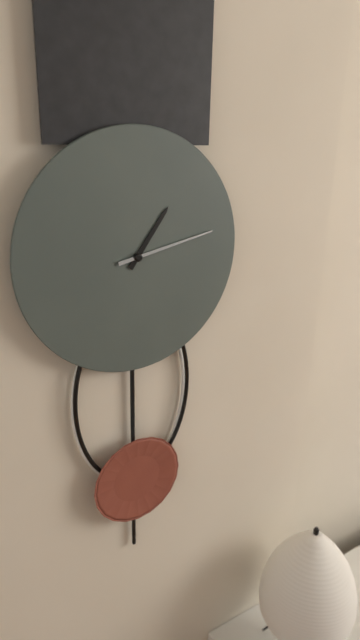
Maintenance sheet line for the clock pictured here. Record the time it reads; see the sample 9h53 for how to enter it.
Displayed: 1h13
